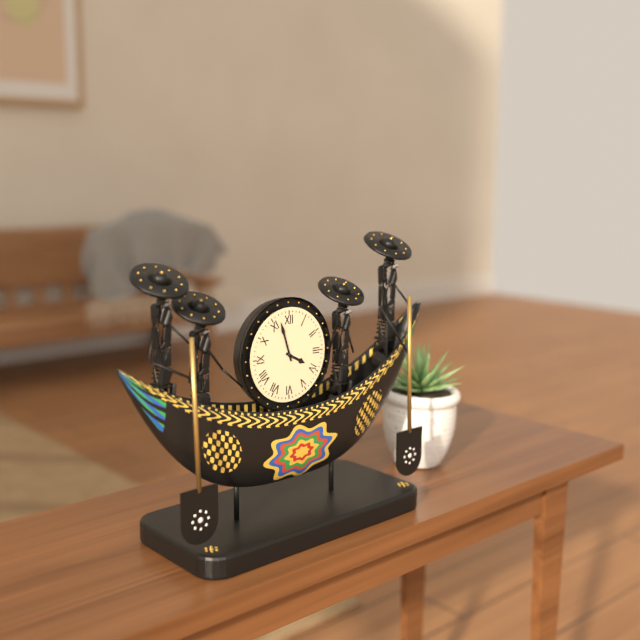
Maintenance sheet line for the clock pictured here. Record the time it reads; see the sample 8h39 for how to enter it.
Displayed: 3h57
